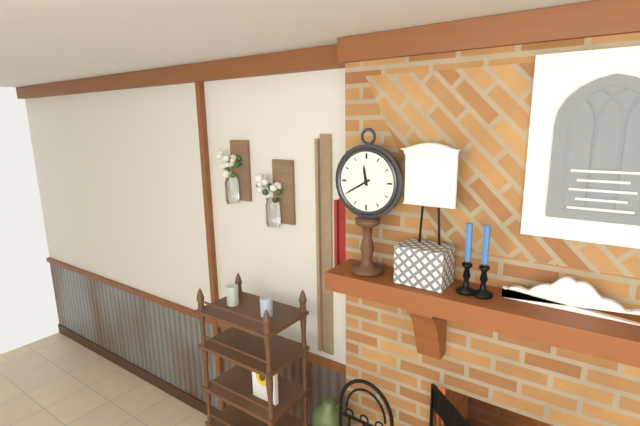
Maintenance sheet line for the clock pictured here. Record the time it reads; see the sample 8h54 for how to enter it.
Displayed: 11h40
